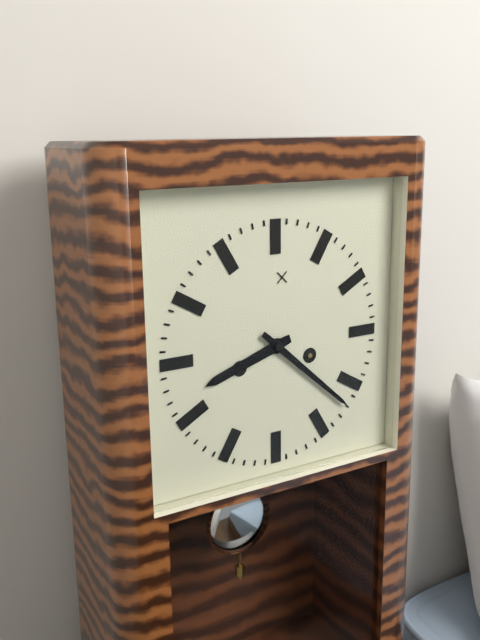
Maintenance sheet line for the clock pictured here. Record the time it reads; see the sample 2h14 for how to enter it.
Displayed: 8h22
